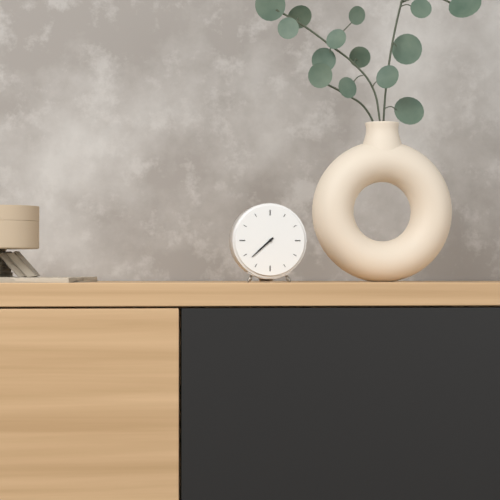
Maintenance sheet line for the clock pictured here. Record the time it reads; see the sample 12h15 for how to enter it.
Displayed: 7h38
